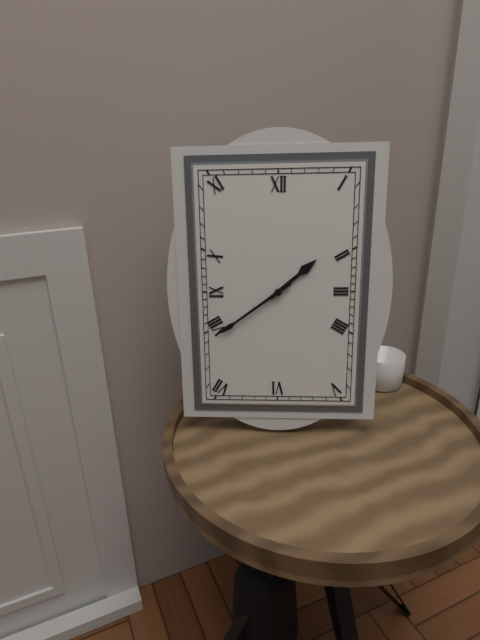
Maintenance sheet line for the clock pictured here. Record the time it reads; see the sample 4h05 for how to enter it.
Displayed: 1h39
